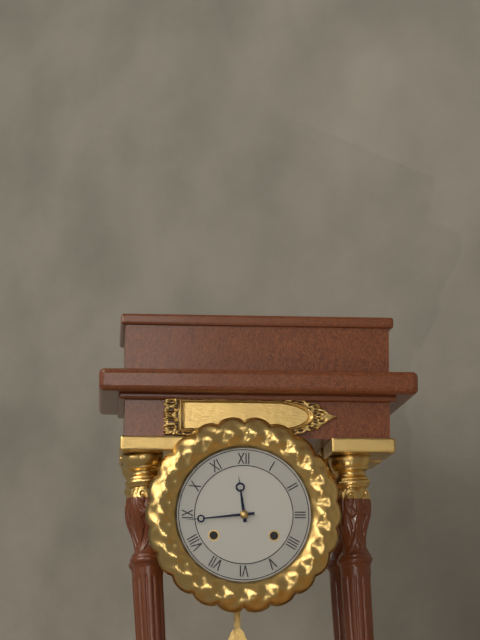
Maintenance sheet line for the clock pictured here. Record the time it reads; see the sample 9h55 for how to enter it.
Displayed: 11h44
